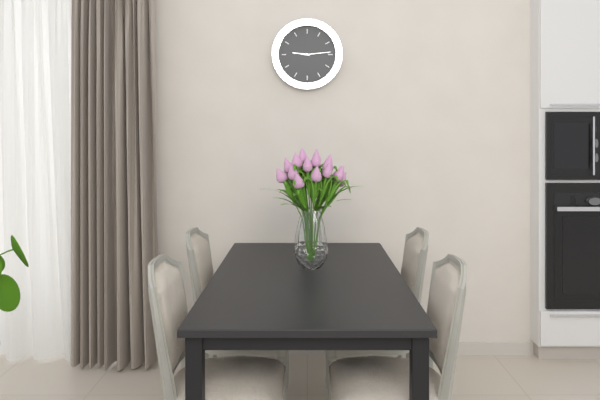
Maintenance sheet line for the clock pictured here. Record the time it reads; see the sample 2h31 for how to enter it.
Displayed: 9h14
